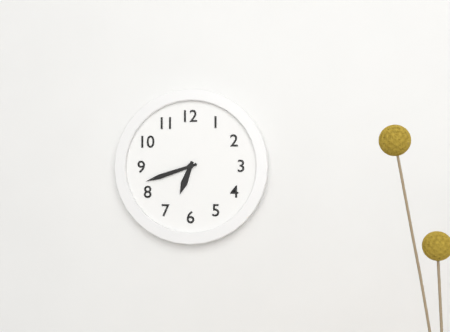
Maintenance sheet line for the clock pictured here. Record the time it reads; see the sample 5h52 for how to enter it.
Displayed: 6h42
